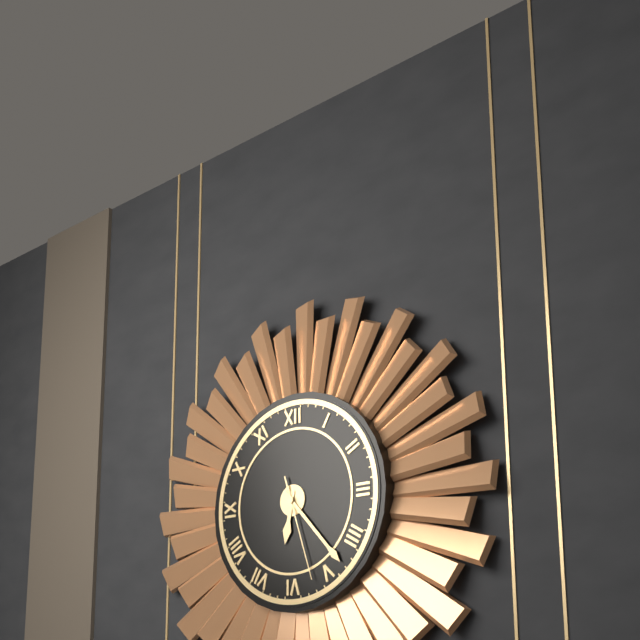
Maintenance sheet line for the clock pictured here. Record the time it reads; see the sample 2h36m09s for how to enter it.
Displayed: 6h23m27s
